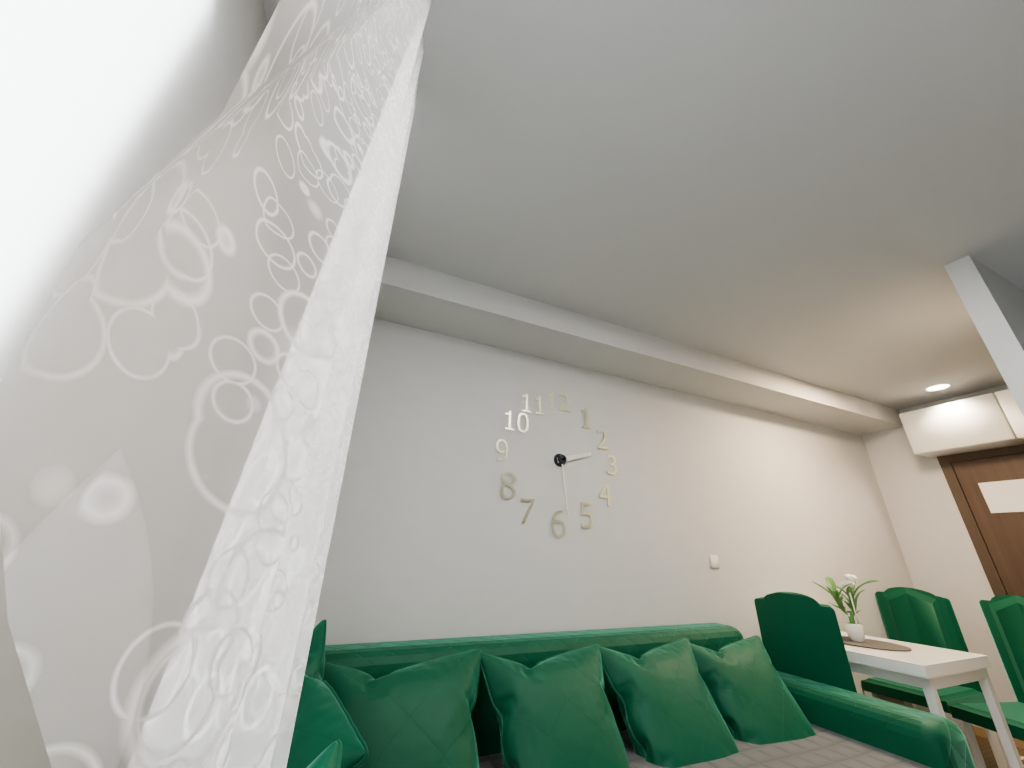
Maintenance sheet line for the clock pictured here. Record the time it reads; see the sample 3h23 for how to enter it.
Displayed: 2h29
